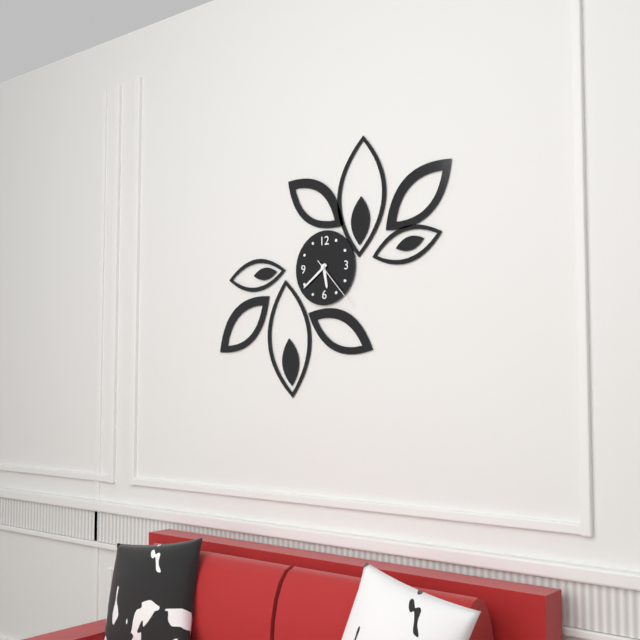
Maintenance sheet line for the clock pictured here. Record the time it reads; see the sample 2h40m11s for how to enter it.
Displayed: 5h39m23s
